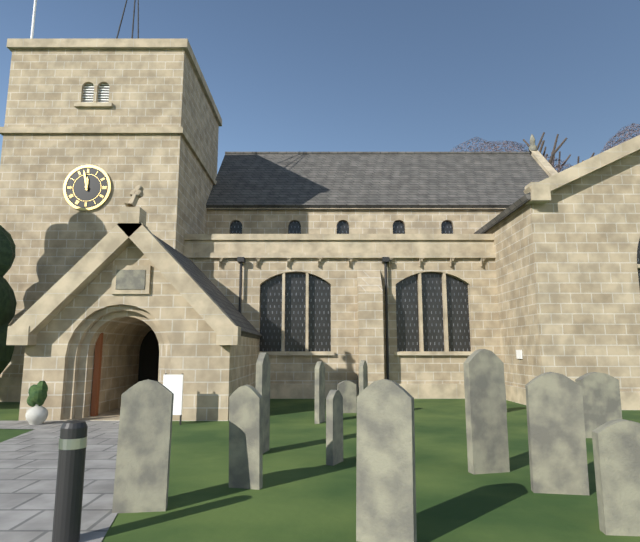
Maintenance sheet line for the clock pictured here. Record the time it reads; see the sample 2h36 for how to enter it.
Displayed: 11h58
